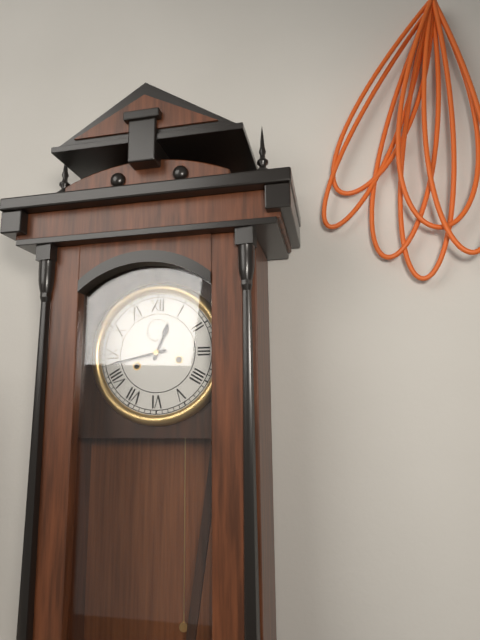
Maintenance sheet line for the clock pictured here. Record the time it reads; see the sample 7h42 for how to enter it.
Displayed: 12h43
